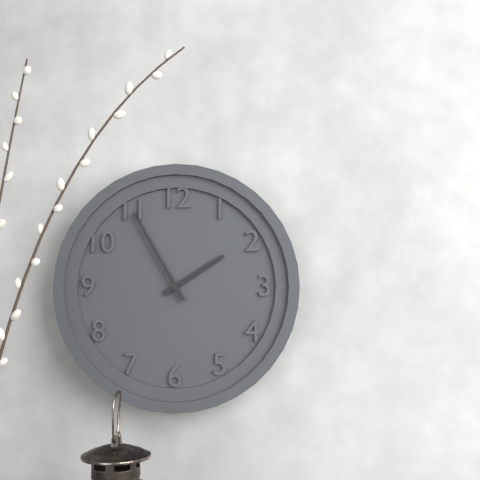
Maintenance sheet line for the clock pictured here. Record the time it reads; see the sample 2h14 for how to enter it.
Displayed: 1h55
